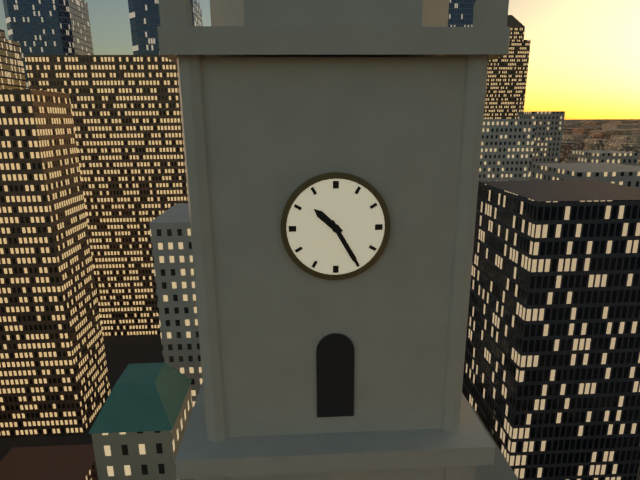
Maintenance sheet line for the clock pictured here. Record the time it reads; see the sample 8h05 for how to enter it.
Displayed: 10h25
